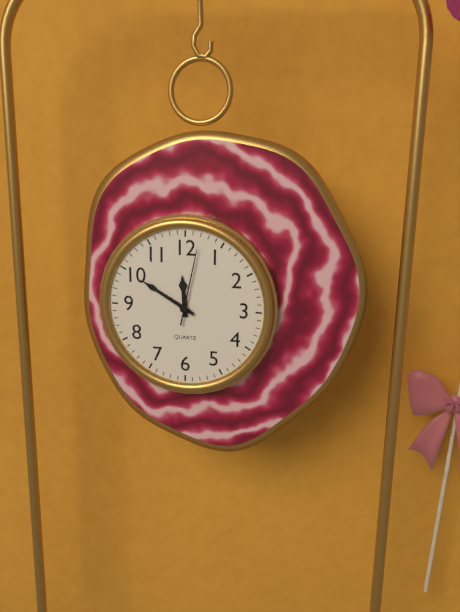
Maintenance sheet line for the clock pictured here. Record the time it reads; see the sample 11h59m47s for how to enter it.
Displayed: 11h50m02s
